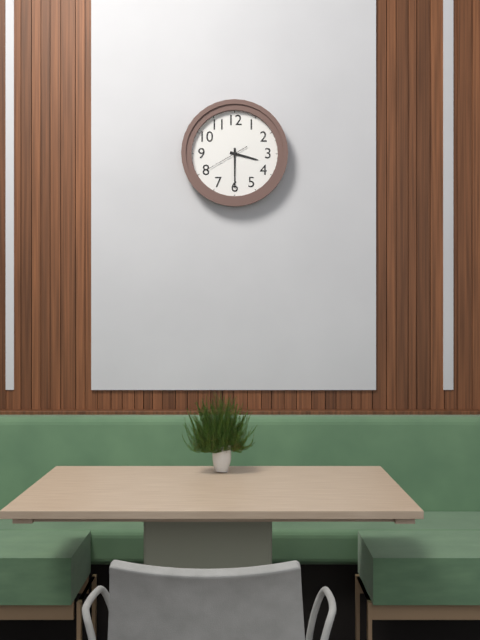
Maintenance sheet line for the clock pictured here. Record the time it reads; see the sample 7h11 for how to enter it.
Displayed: 3h30
